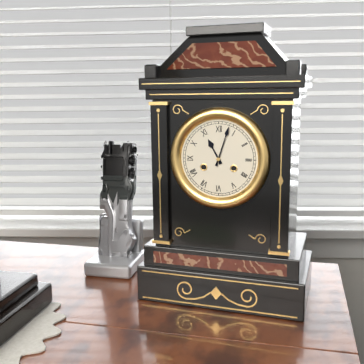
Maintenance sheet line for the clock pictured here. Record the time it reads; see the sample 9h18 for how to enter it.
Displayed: 11h03
